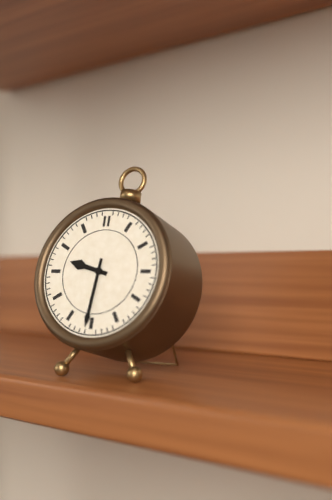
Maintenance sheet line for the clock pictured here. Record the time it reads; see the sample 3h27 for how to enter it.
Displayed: 9h31
